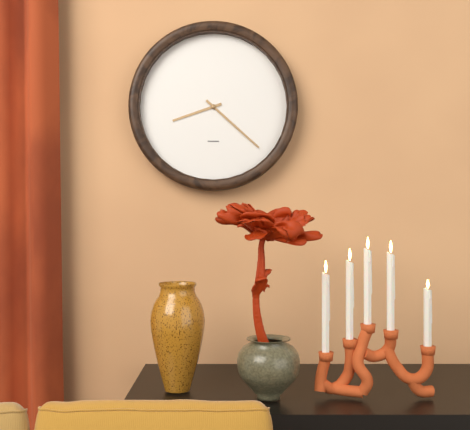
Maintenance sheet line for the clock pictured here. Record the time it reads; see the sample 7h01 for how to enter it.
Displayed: 8h22
